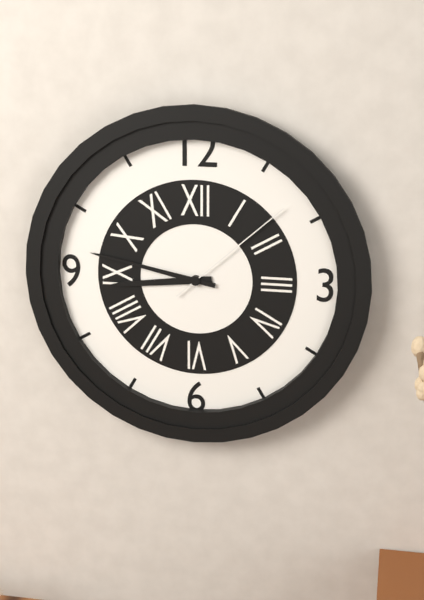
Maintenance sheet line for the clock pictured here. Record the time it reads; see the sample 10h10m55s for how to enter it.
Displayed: 8h47m08s
